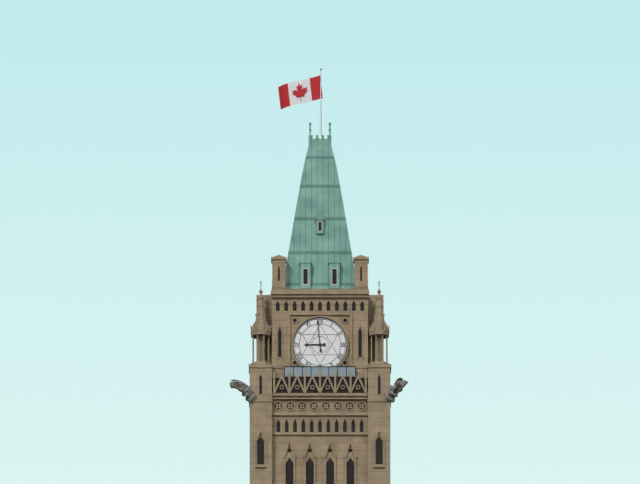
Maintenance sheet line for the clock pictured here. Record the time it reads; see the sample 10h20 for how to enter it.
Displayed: 8h59
